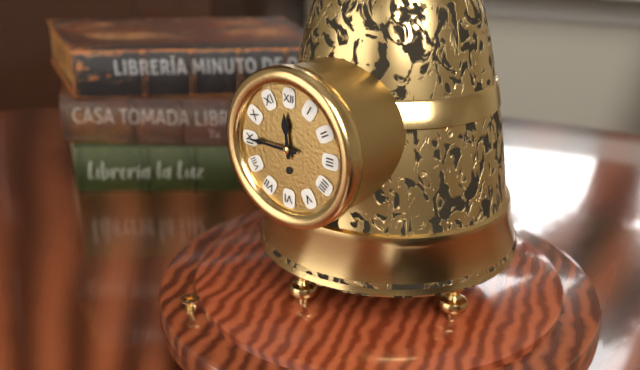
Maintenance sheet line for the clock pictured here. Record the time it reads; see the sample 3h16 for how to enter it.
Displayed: 11h45
